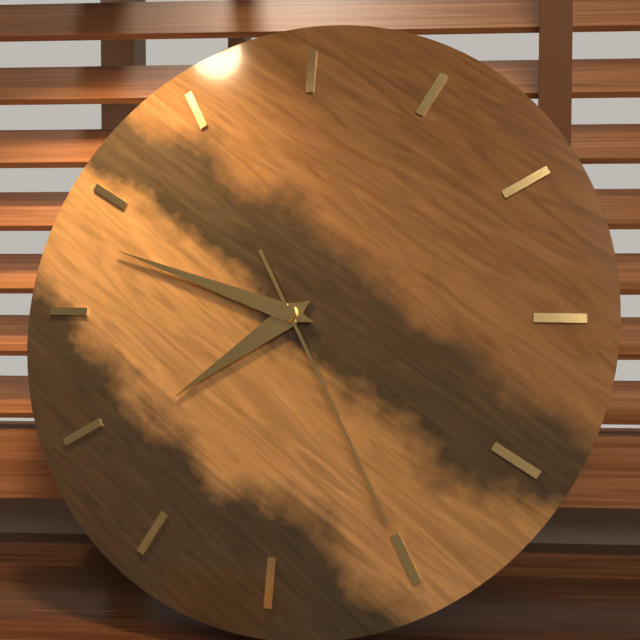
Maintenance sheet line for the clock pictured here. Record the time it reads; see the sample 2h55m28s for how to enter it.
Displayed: 7h48m25s
